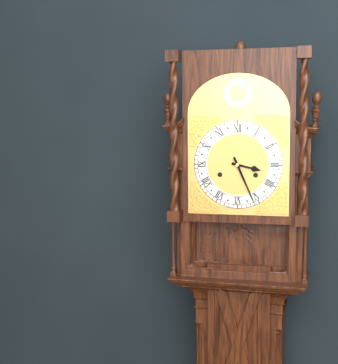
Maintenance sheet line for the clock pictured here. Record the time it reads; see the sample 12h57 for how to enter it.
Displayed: 3h26
